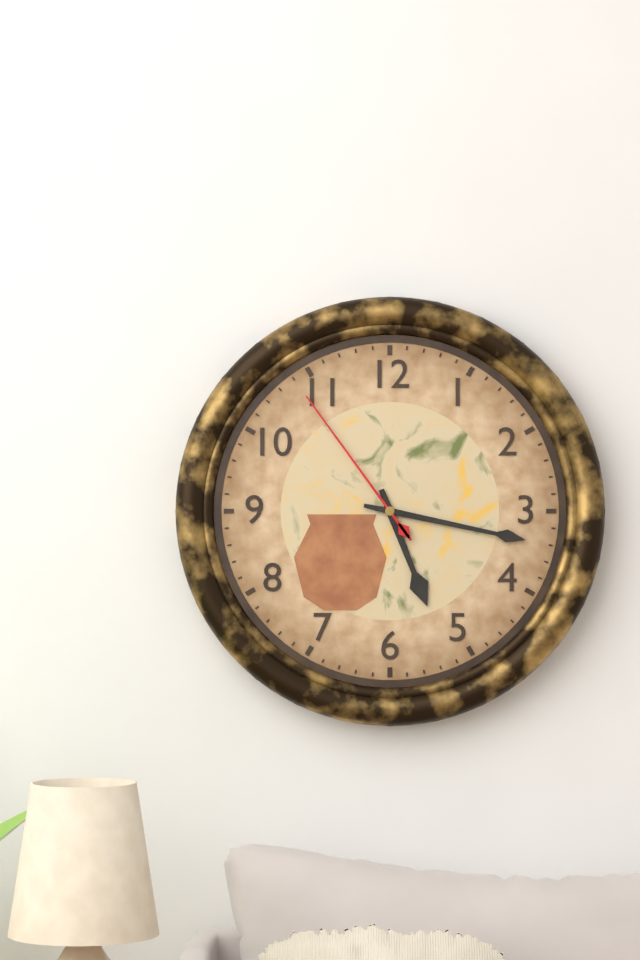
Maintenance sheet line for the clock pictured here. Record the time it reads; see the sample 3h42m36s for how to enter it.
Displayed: 5h17m54s
